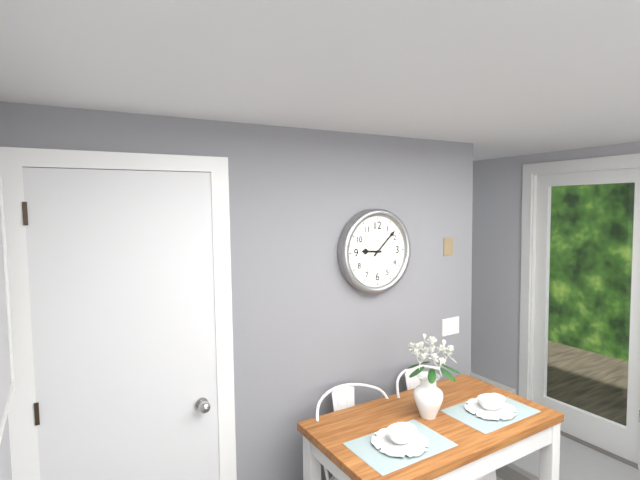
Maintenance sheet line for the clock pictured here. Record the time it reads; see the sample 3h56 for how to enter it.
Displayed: 9h08
